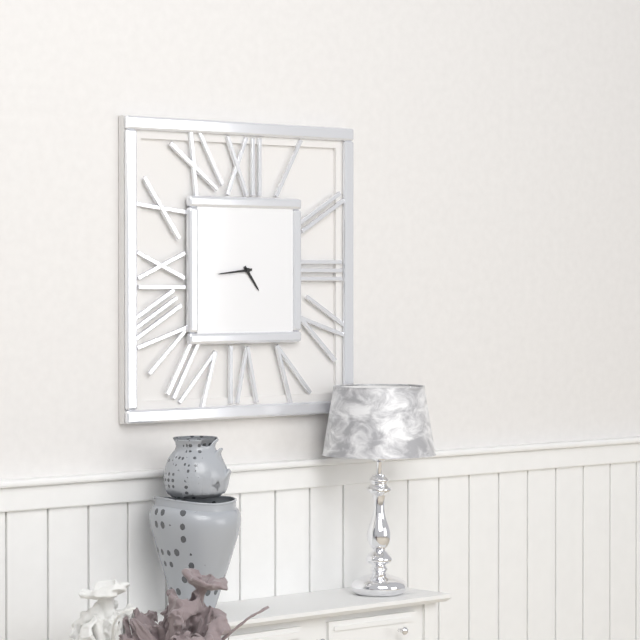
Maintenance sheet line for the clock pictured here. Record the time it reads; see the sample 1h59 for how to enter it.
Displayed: 4h44
